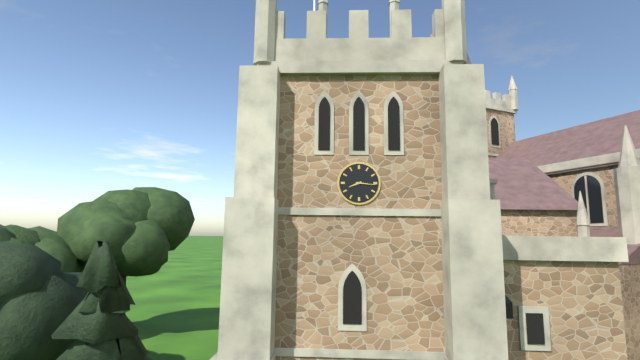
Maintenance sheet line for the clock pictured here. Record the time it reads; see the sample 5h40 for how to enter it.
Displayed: 8h16
